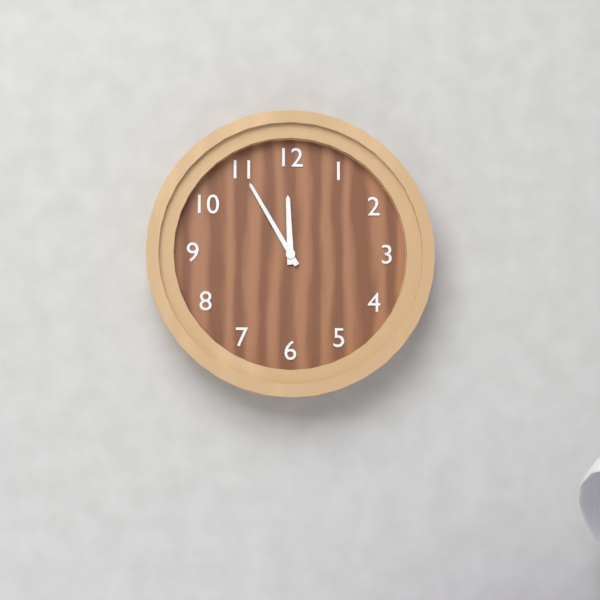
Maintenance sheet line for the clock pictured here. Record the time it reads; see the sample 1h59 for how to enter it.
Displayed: 11h55
